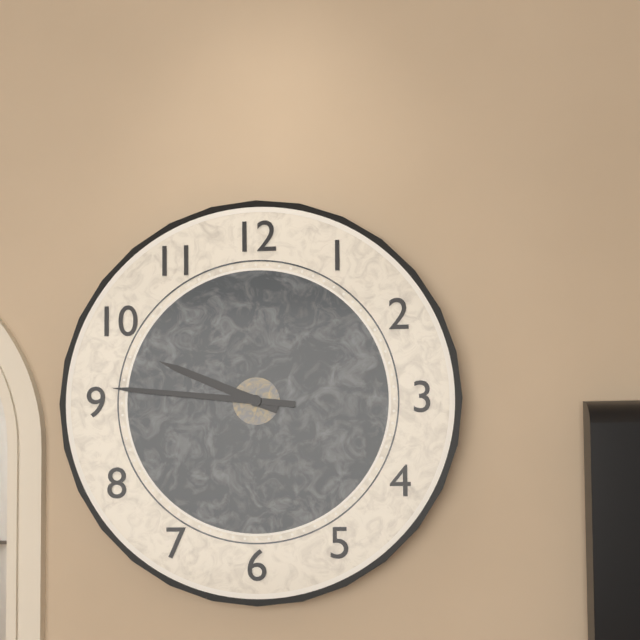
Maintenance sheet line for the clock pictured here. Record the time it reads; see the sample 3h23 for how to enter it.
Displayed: 9h46
